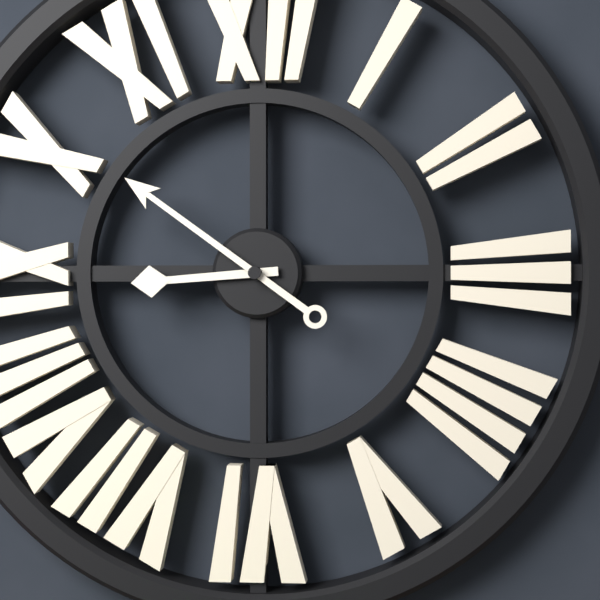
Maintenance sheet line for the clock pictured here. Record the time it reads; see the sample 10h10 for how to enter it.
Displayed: 8h51
